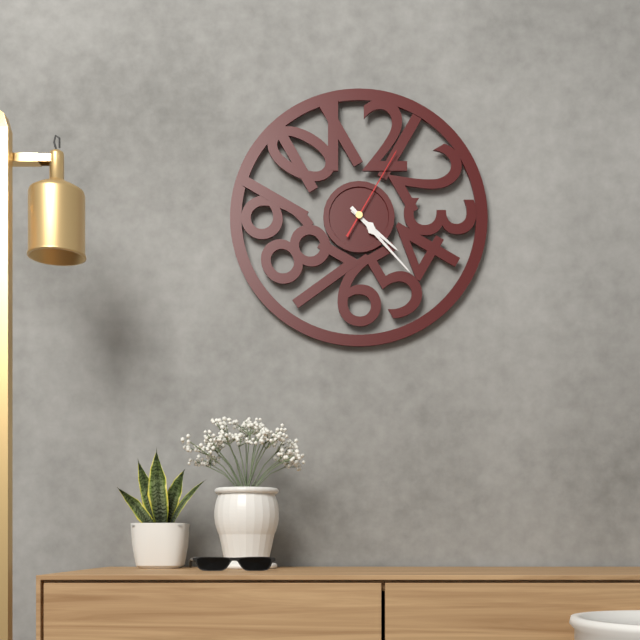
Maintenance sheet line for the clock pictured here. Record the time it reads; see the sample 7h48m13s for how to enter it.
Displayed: 4h23m05s
